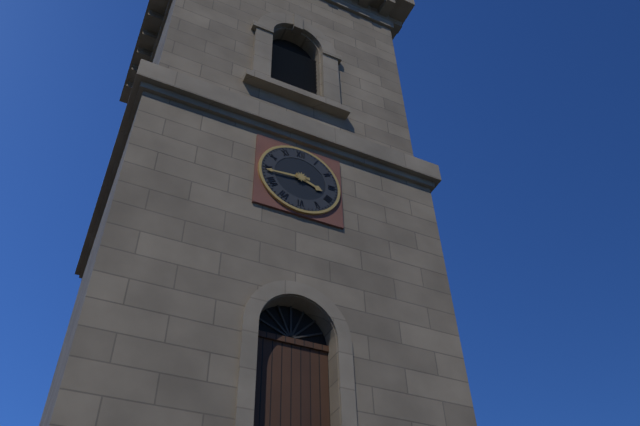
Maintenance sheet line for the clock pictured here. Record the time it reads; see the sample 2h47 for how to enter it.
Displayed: 3h44
